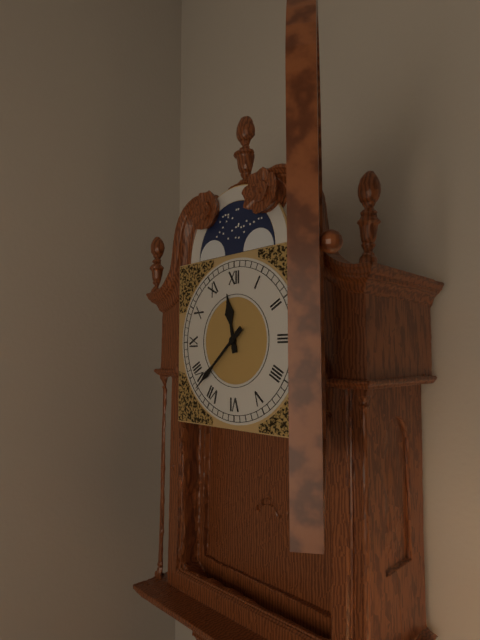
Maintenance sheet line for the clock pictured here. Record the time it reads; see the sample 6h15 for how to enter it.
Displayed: 11h38
